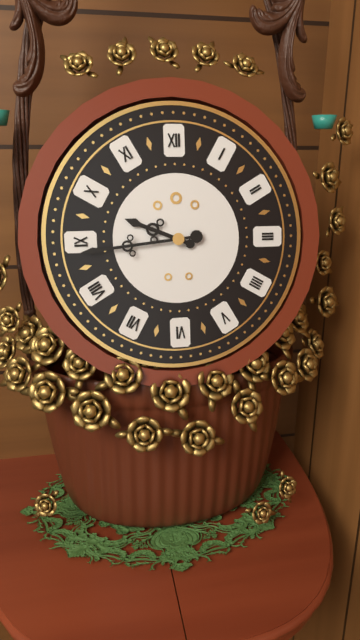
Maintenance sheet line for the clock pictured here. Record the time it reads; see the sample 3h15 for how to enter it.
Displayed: 9h44
